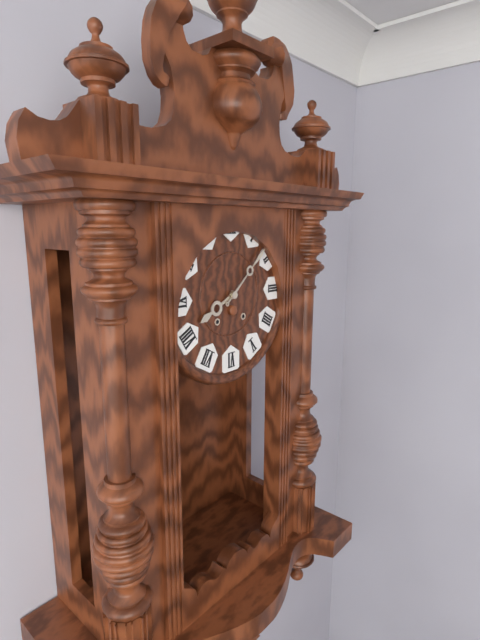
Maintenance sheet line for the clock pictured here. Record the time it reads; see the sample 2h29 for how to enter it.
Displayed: 8h08
